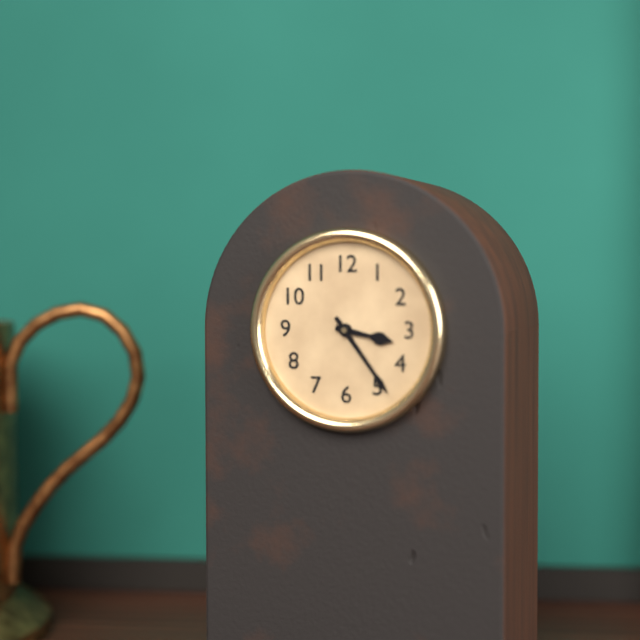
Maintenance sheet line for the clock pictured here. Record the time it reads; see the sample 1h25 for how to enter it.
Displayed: 3h24
